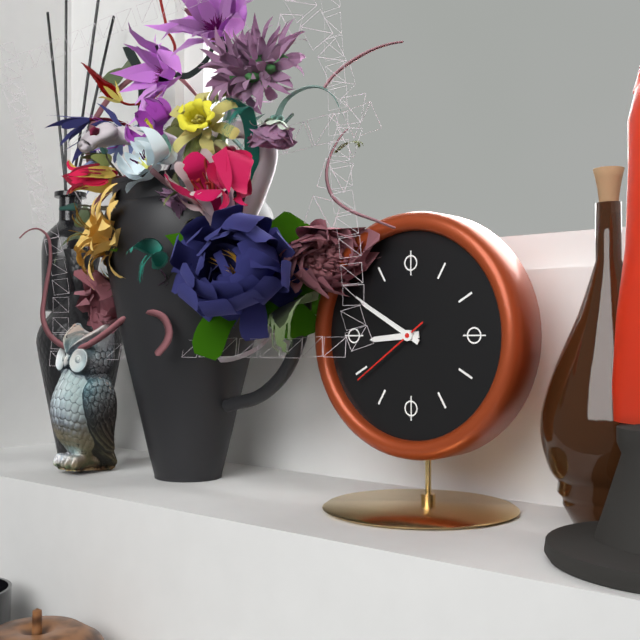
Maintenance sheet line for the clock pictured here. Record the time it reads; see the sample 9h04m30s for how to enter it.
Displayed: 8h50m39s
